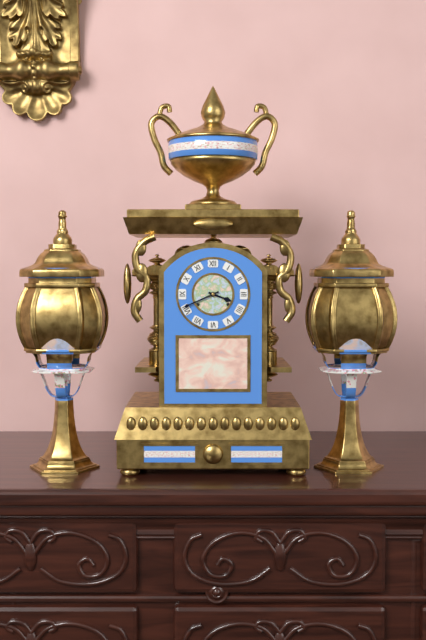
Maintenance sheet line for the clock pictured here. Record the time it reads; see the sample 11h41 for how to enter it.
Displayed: 3h41
